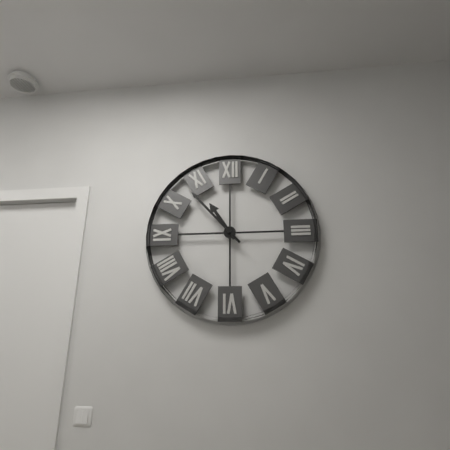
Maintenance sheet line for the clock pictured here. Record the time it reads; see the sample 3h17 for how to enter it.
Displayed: 10h53
